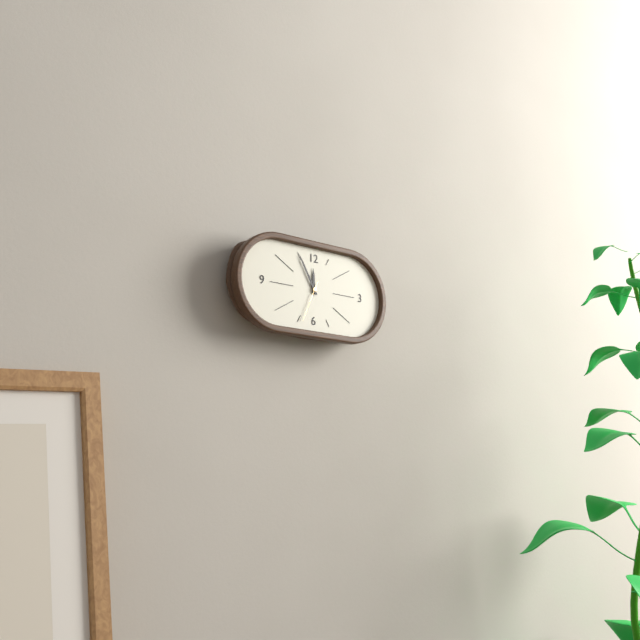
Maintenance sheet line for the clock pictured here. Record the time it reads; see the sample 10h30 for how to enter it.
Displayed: 11h55
